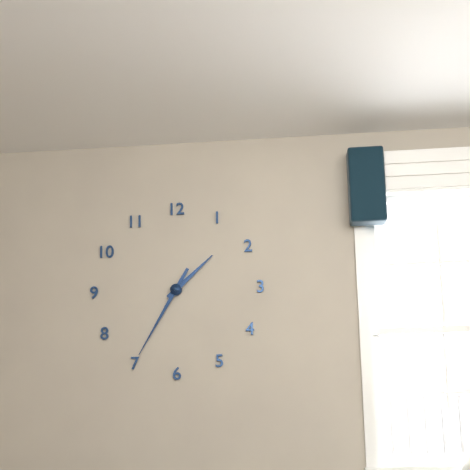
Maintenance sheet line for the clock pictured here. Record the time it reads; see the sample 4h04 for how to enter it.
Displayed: 1h35
